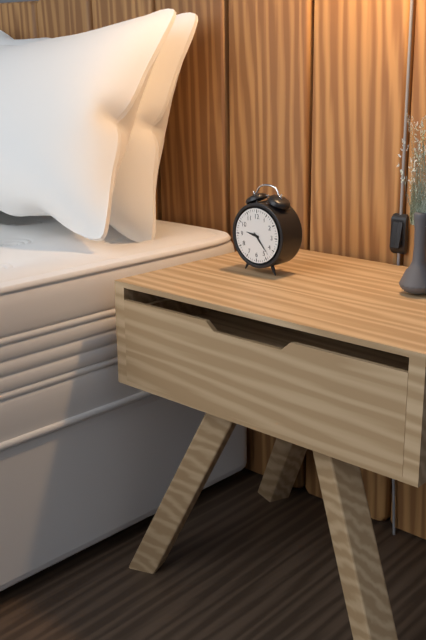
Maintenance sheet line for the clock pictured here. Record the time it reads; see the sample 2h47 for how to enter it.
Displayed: 9h23
